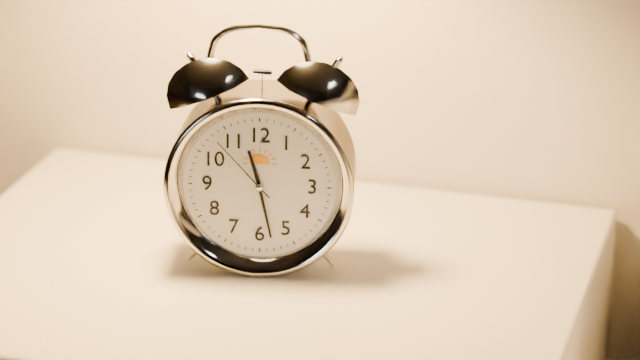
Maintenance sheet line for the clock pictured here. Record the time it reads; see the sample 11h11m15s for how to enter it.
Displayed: 11h28m53s
